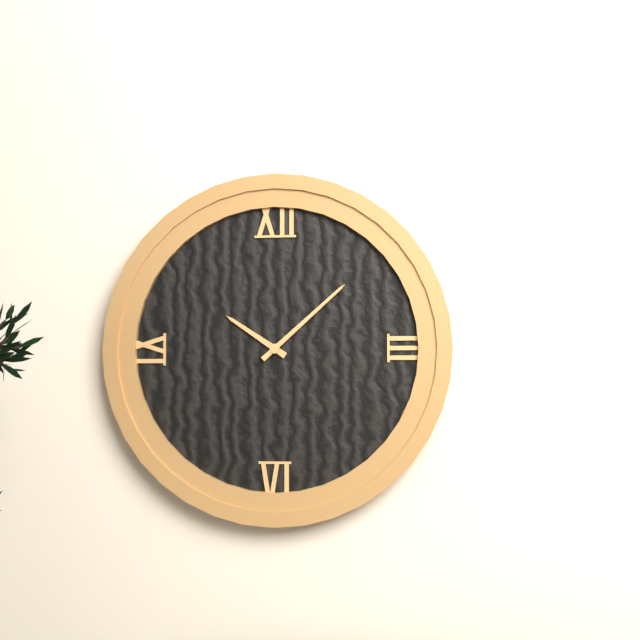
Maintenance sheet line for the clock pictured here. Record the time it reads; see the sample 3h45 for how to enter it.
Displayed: 10h08
